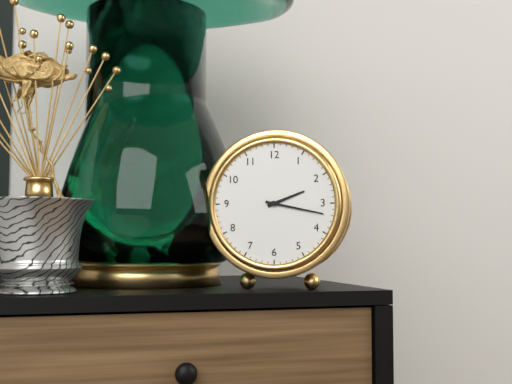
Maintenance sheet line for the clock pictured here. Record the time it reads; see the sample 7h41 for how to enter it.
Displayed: 2h17
